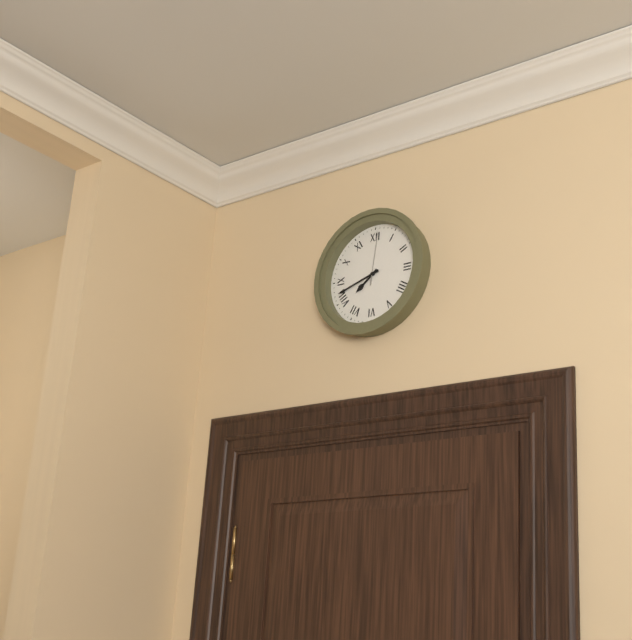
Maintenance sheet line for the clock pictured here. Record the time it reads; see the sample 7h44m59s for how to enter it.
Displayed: 7h42m01s
